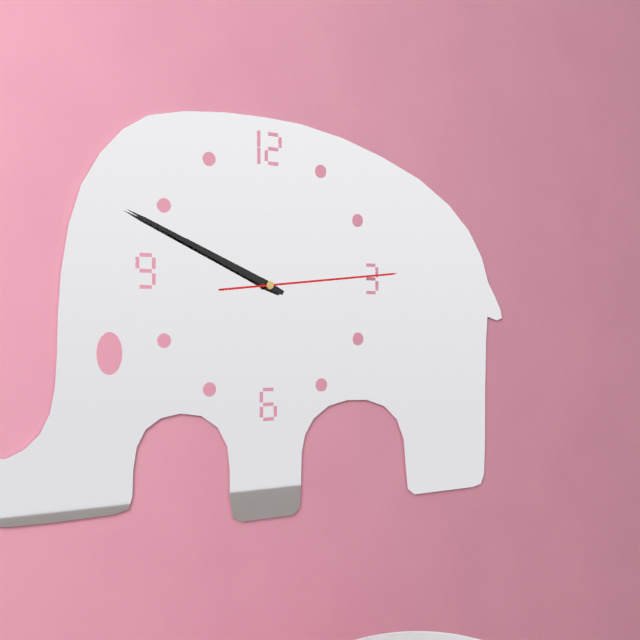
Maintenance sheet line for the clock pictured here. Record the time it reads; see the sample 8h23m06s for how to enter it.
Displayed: 9h49m14s
